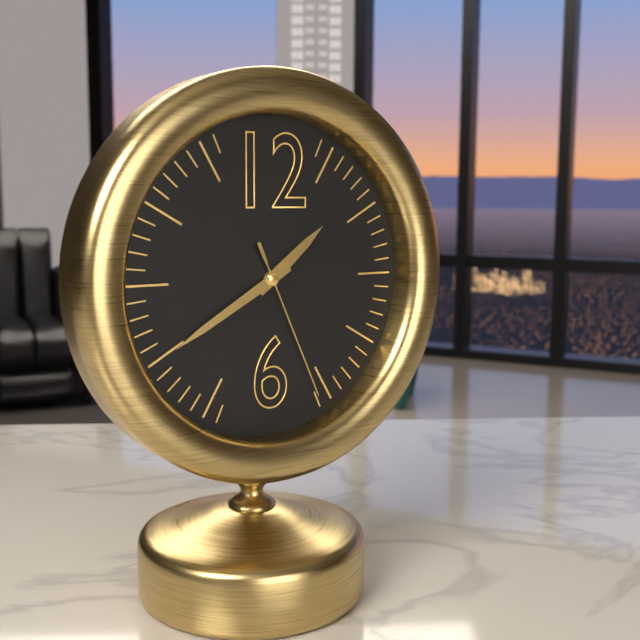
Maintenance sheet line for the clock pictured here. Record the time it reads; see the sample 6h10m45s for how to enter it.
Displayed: 1h40m26s
